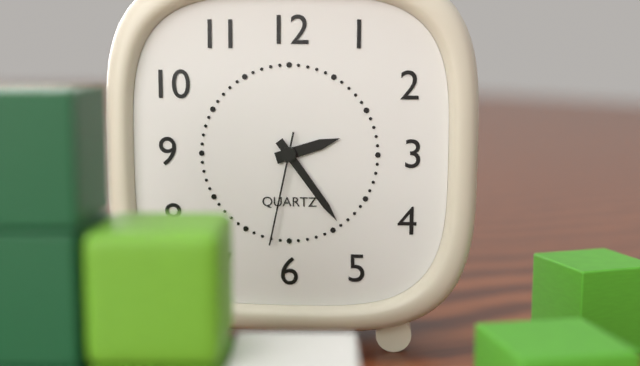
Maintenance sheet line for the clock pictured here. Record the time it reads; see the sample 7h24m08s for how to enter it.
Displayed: 2h24m32s
